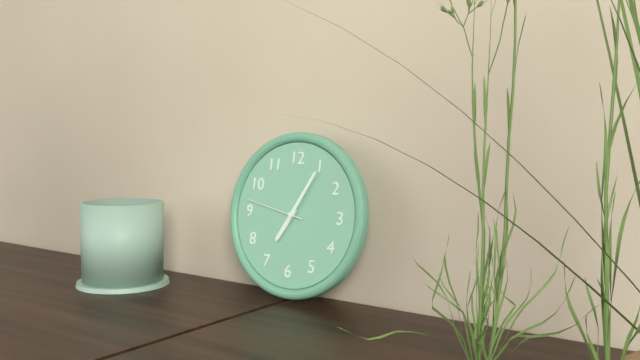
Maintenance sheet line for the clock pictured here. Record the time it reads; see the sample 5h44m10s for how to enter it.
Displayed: 7h05m47s
